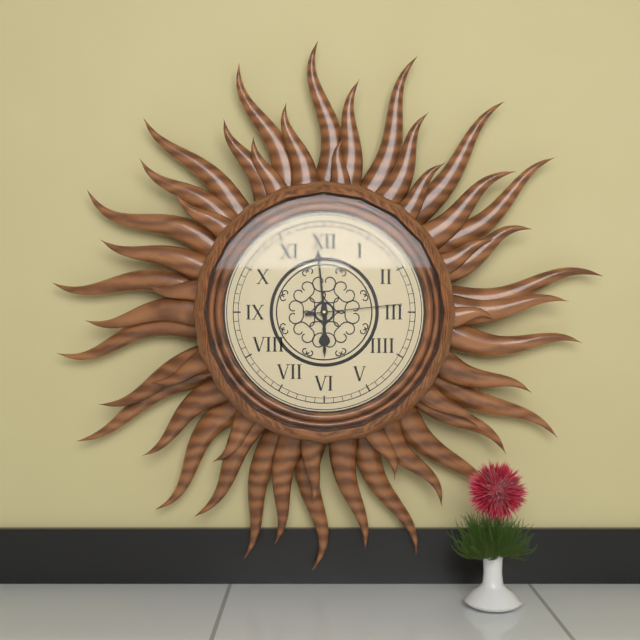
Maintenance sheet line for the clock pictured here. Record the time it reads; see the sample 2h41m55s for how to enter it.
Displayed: 5h59m14s
